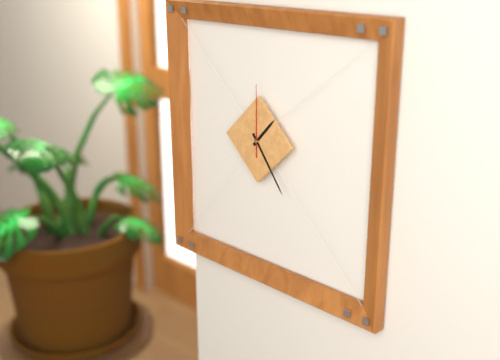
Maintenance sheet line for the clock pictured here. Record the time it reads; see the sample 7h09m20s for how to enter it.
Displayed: 1h24m00s
